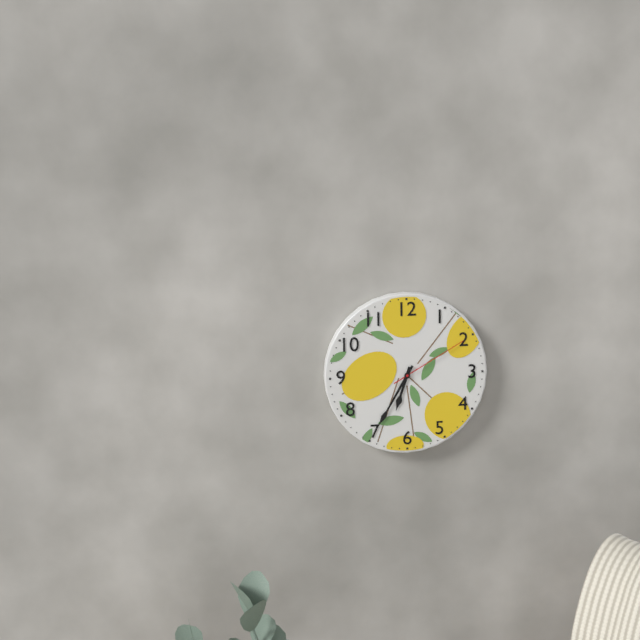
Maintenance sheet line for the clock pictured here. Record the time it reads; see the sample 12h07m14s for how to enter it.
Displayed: 6h35m10s
